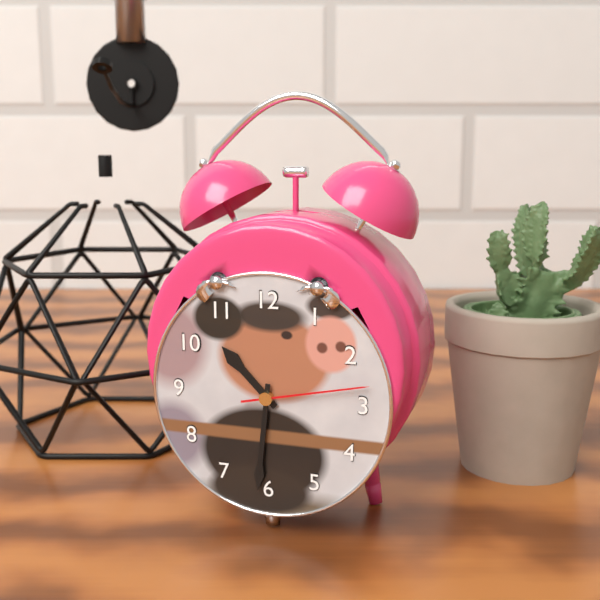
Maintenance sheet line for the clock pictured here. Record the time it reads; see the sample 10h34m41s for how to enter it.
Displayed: 10h31m13s
